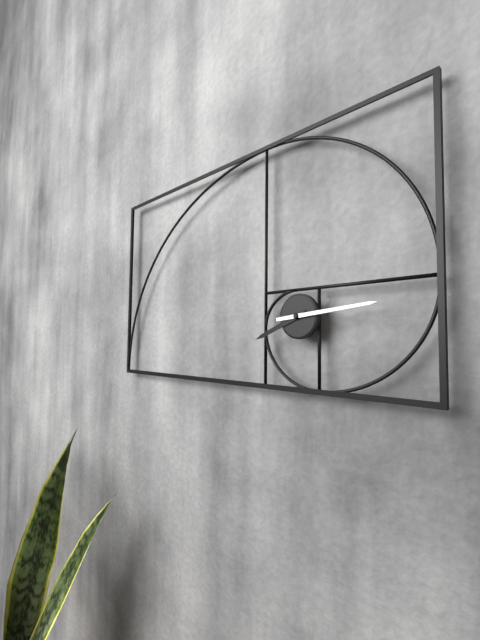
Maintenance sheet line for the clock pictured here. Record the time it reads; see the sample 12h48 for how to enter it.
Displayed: 8h14
